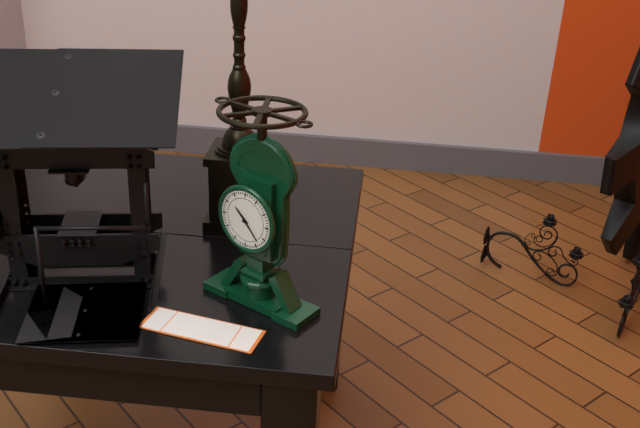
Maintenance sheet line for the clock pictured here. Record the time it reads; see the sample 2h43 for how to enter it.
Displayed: 10h23
